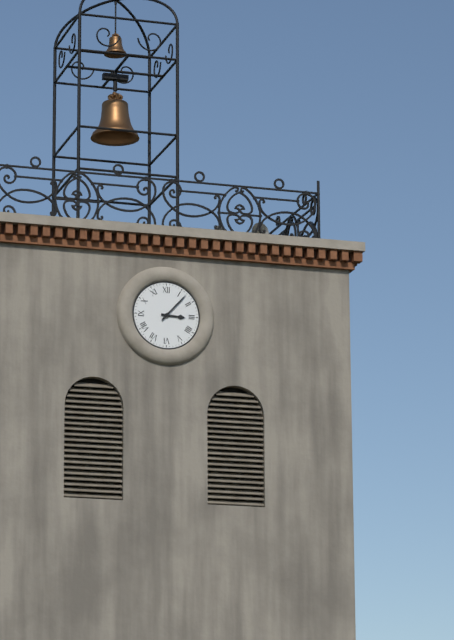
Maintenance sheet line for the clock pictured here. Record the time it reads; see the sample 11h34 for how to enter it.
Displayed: 3h07
